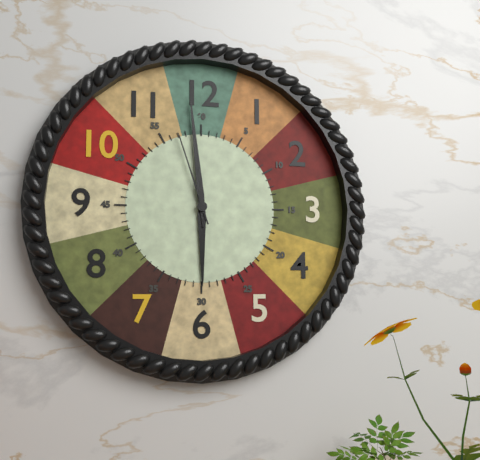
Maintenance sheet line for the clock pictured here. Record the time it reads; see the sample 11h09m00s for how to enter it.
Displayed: 5h59m57s
